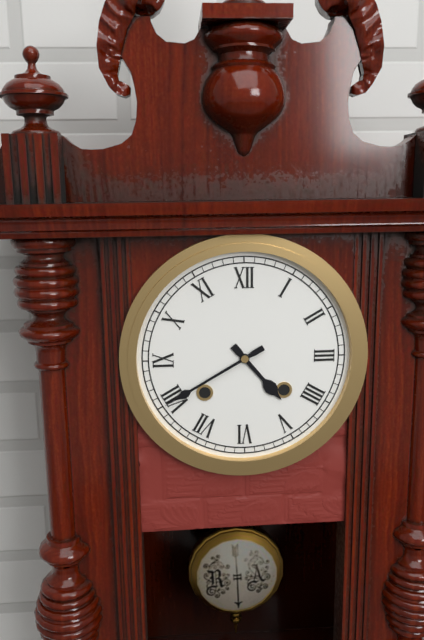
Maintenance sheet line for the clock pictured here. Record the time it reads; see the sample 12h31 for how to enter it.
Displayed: 4h40
